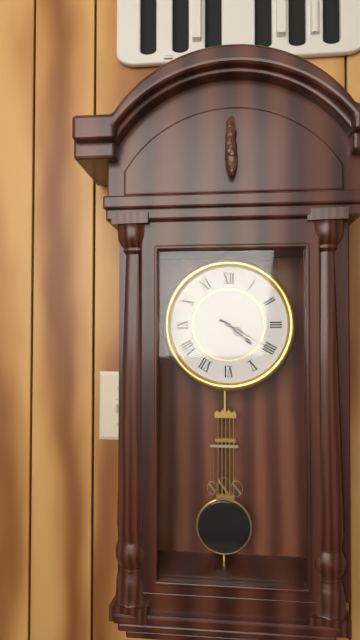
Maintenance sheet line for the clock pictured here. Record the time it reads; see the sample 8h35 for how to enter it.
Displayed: 4h20
